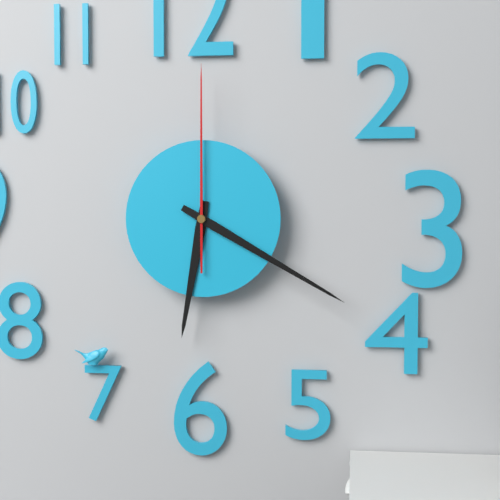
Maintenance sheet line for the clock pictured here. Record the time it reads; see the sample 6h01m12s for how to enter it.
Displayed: 6h20m00s
